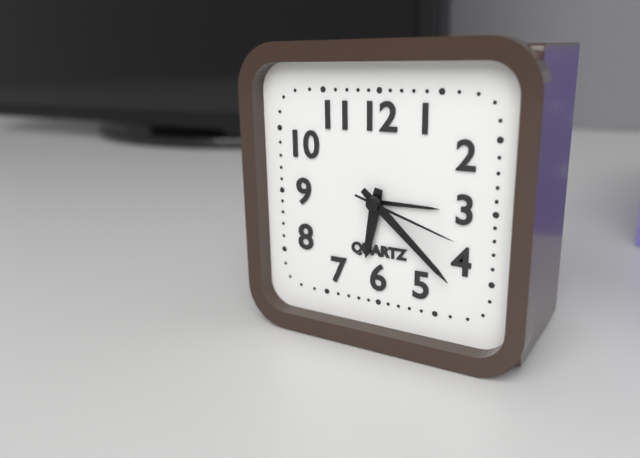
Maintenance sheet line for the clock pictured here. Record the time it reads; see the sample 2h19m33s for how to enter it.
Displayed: 6h22m18s
